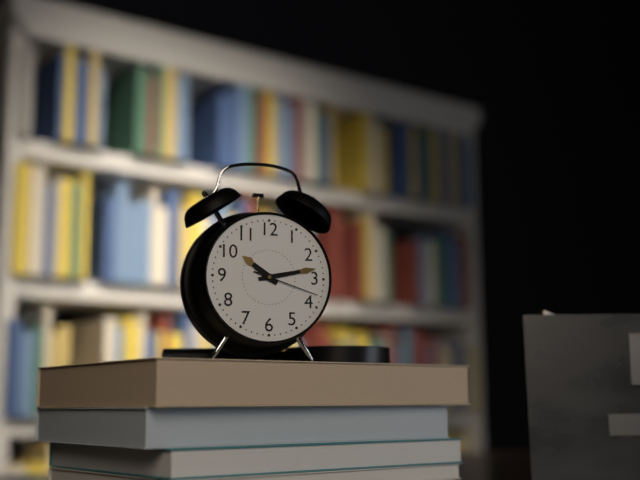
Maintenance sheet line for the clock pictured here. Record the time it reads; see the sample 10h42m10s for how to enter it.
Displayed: 10h13m18s
